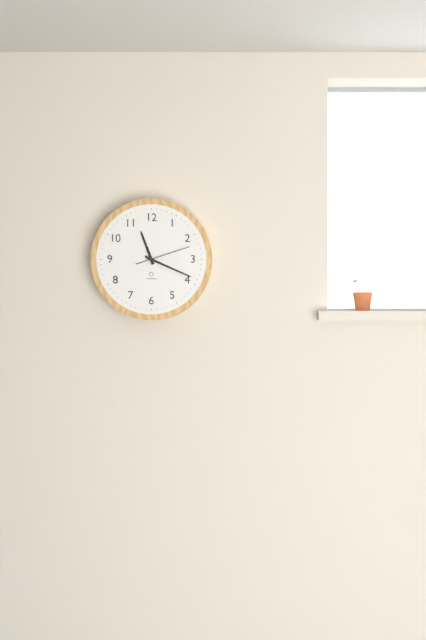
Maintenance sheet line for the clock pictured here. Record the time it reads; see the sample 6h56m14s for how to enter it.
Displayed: 11h19m12s
